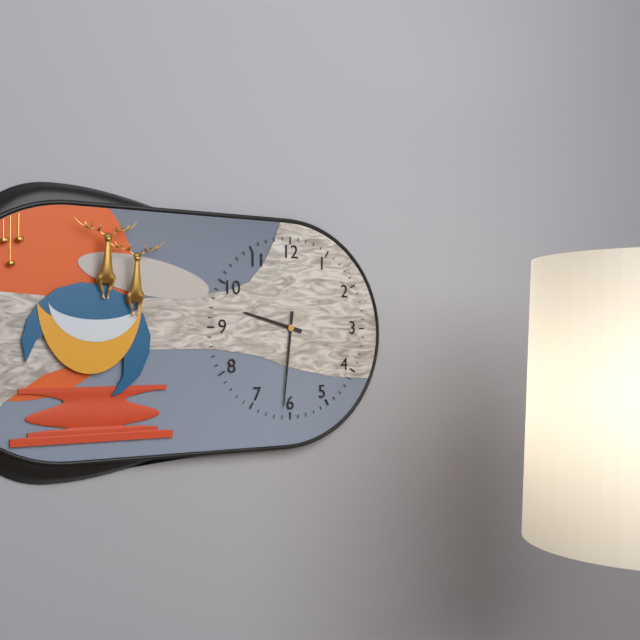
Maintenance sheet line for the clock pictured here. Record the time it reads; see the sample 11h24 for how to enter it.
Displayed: 9h31
